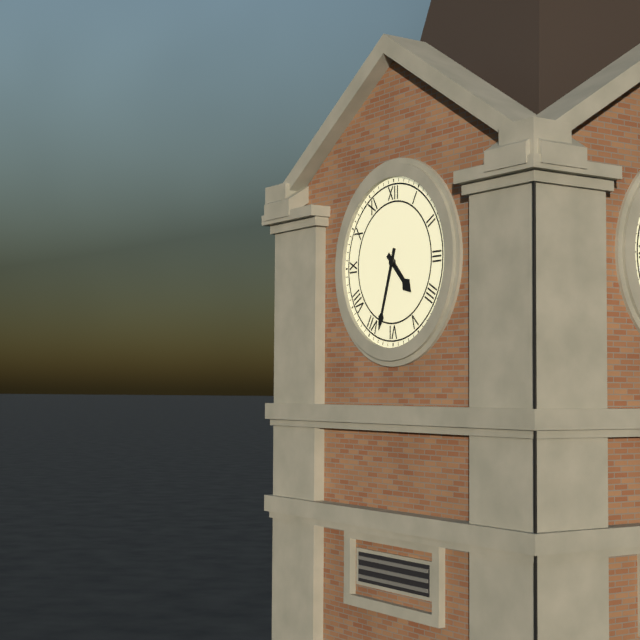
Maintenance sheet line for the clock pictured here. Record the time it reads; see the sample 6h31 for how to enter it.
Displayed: 4h33
